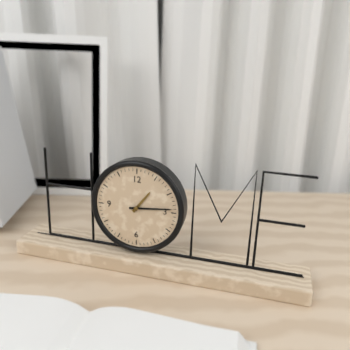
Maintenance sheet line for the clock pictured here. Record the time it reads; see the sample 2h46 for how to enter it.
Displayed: 1h14
